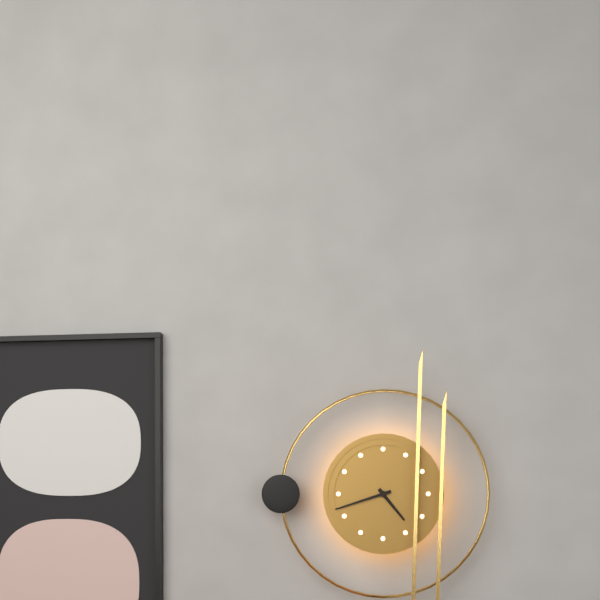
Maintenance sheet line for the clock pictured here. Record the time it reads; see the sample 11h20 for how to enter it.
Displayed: 4h42
